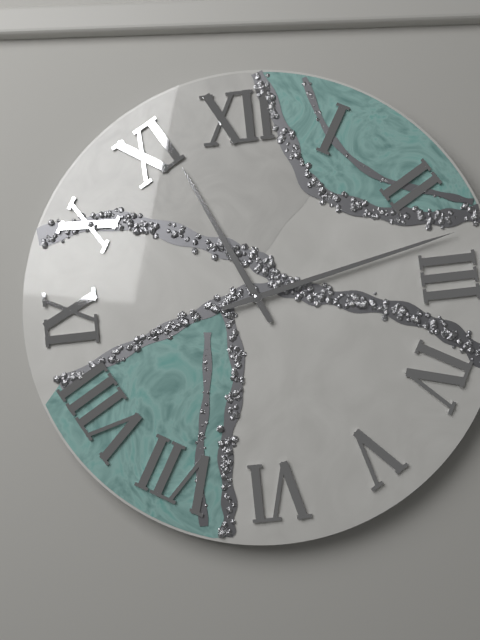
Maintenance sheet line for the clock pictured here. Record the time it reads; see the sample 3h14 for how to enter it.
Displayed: 11h13
